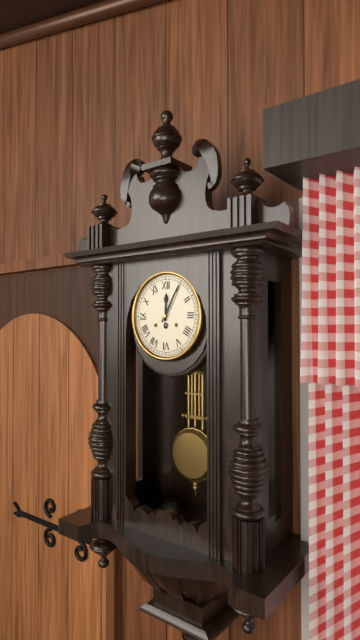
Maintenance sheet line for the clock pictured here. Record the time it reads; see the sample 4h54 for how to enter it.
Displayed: 12h05
